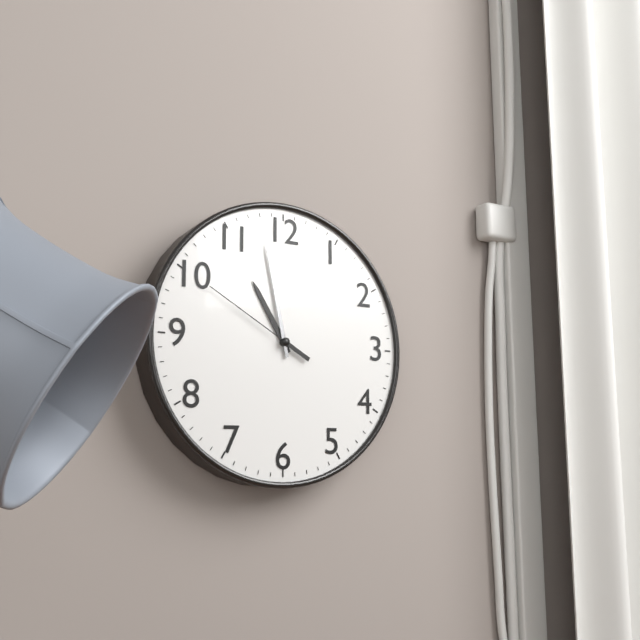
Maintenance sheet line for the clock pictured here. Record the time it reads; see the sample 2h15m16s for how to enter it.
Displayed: 10h58m50s
